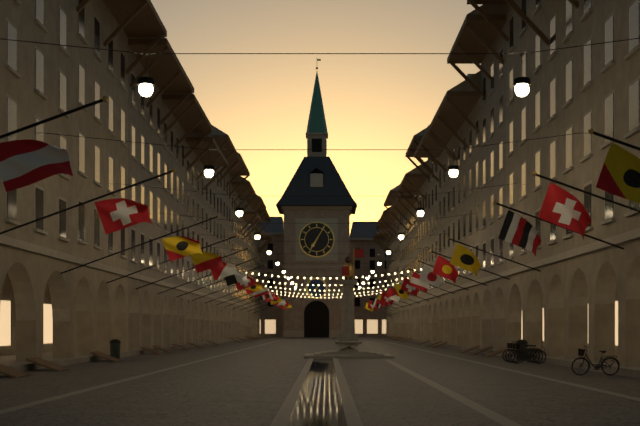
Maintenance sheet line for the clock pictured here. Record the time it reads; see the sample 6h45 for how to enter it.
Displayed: 7h05
